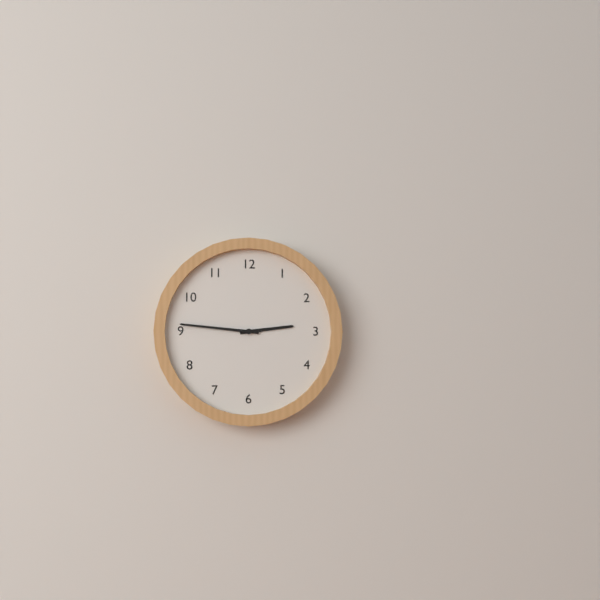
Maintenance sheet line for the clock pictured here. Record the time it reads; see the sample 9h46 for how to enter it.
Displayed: 2h46
